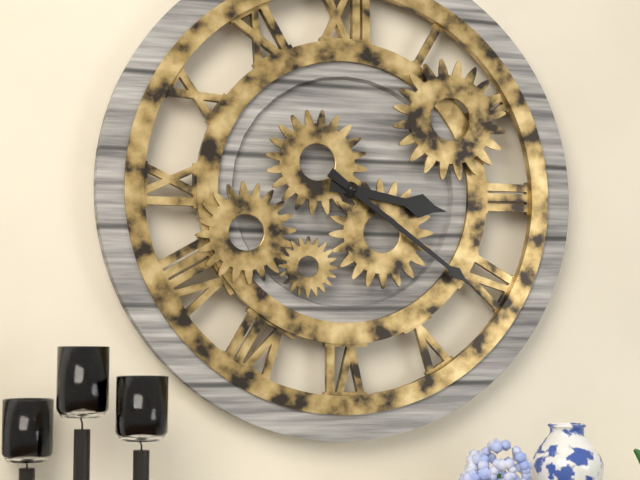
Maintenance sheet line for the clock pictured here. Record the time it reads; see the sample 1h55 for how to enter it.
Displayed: 3h21
